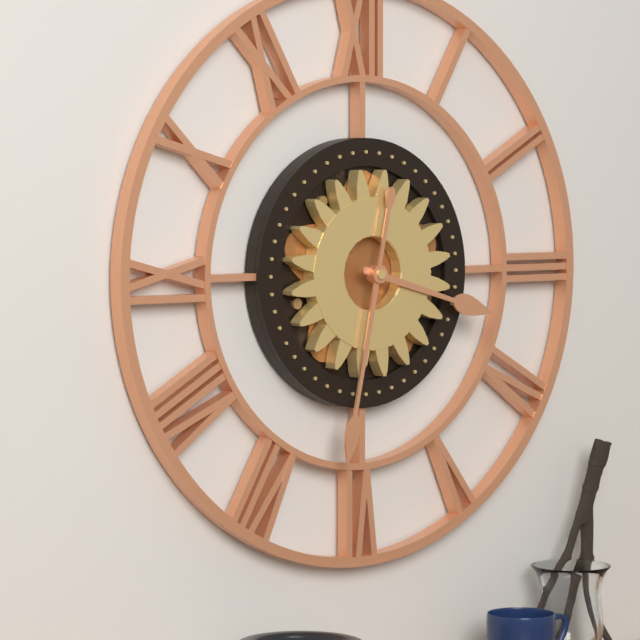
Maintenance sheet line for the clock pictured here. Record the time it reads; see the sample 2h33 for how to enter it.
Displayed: 3h32
